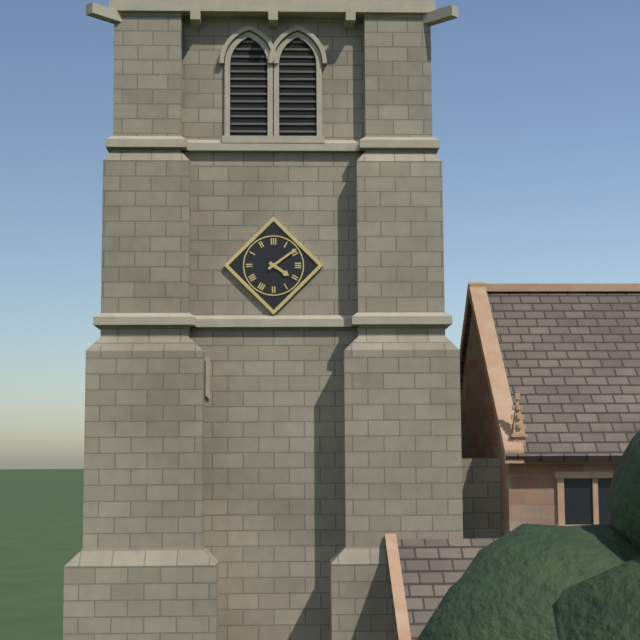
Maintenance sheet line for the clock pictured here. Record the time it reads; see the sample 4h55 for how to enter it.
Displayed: 4h09
